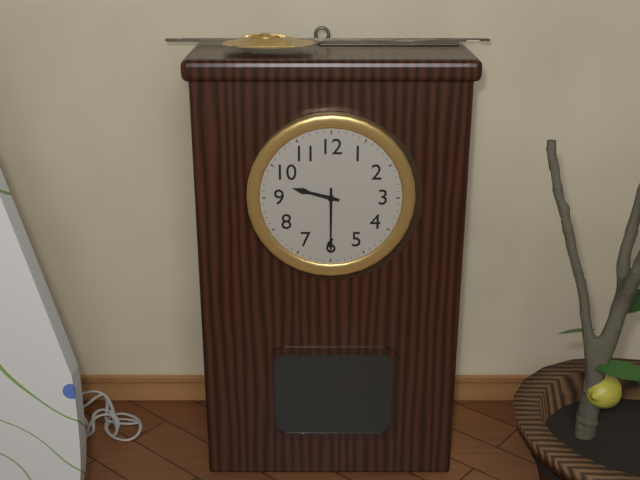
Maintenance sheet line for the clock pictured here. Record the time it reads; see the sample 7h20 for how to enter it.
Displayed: 9h30
